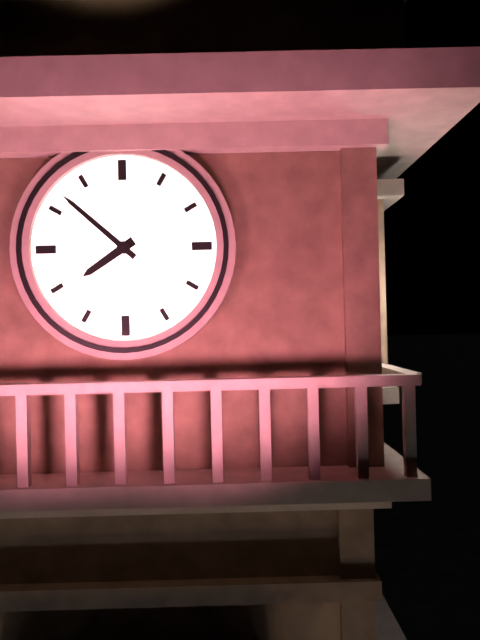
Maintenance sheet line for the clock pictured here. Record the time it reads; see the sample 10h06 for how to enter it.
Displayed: 7h52
